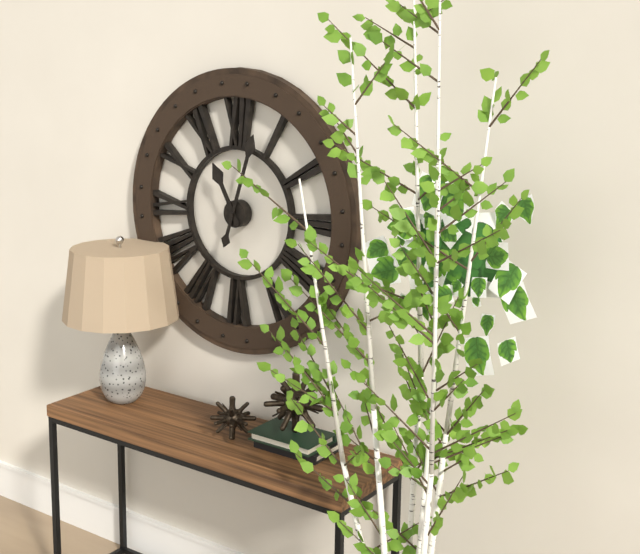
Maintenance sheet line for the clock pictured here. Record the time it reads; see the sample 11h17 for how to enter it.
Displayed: 11h03
